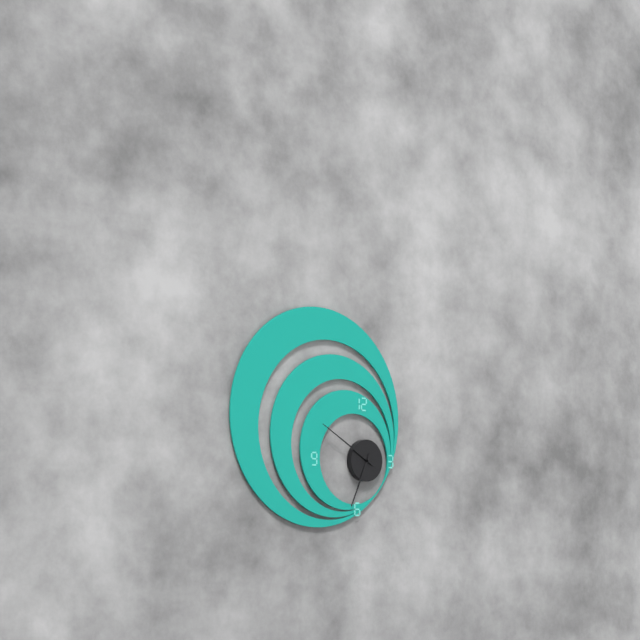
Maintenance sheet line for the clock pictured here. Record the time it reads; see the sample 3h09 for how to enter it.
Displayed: 6h50
